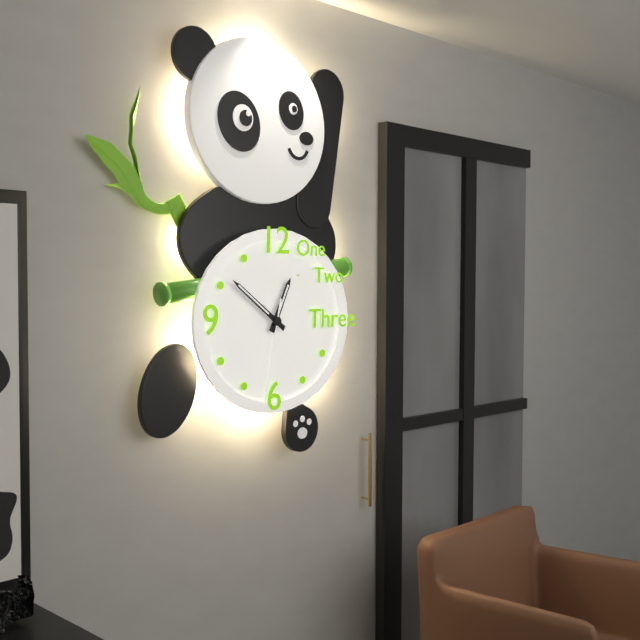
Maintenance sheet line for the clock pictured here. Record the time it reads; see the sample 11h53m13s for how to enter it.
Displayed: 12h51m32s
